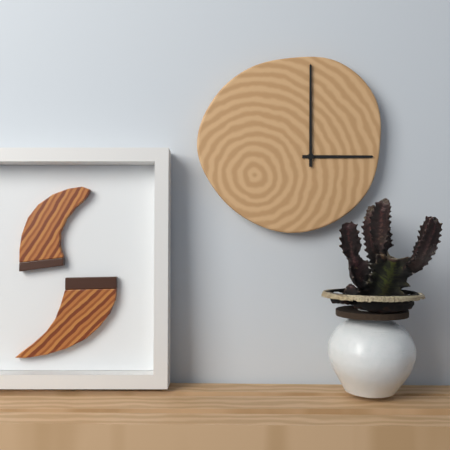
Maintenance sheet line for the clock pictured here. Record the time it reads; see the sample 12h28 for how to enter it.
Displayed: 3h00
